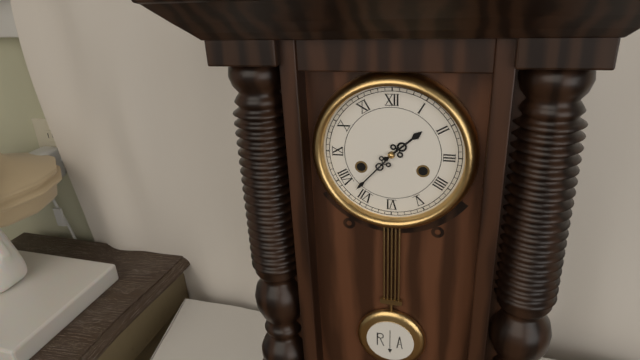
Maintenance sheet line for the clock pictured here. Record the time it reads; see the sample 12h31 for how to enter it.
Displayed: 1h37
